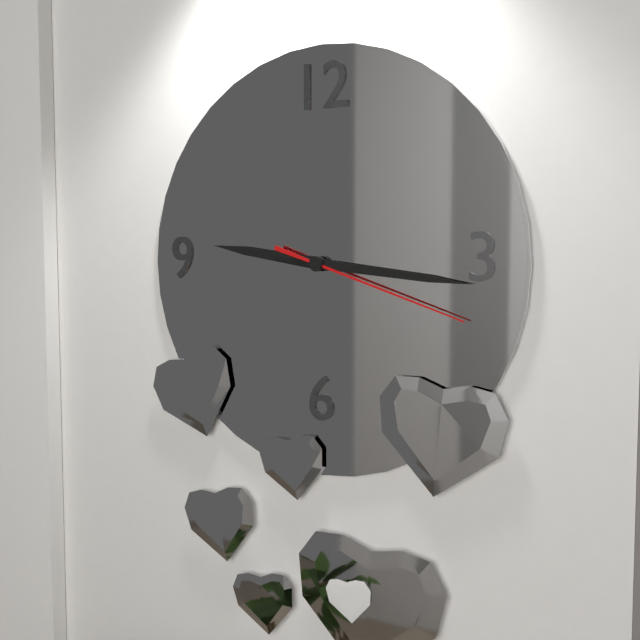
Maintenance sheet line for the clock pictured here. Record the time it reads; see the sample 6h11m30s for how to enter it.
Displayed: 9h16m18s
